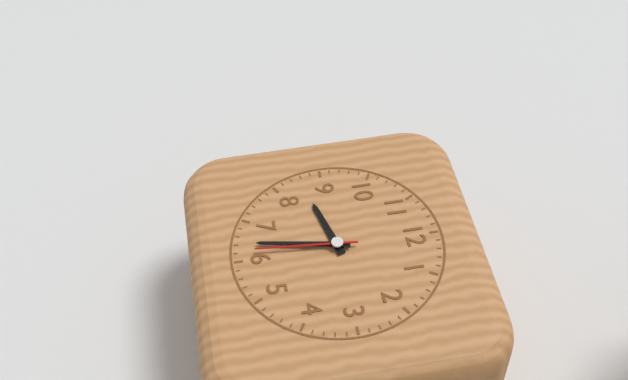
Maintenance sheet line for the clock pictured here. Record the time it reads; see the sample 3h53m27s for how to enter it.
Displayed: 8h32m31s
